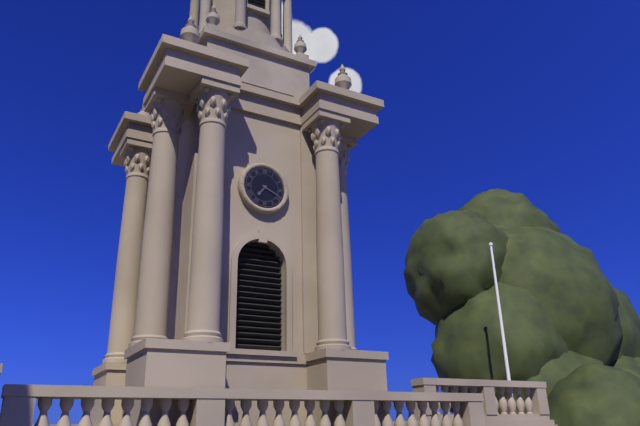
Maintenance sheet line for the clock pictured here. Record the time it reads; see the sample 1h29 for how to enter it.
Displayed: 7h19
